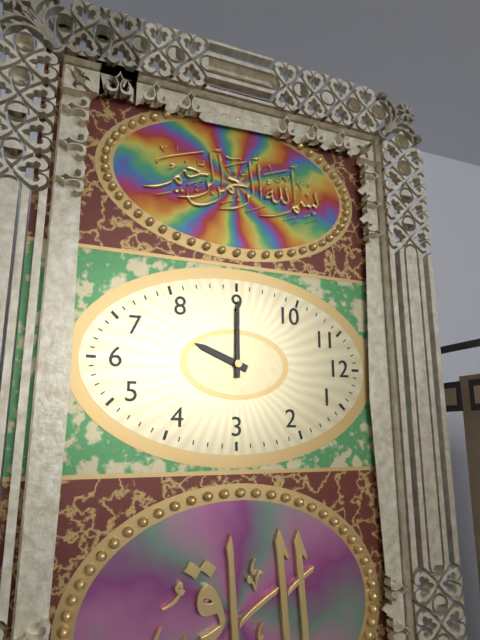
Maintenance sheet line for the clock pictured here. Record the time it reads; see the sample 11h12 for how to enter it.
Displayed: 6h45
